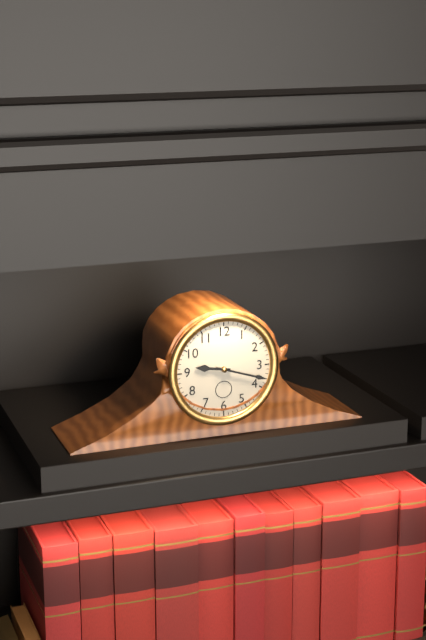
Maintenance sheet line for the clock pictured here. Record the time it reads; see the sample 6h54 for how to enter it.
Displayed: 9h18
